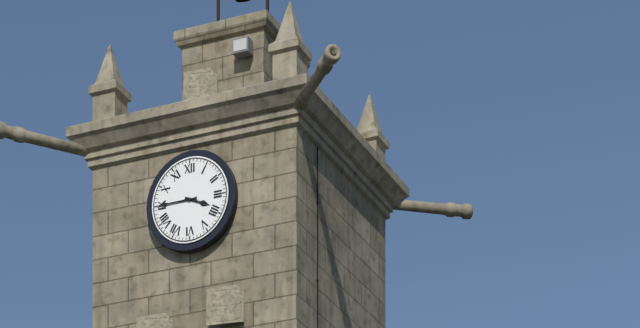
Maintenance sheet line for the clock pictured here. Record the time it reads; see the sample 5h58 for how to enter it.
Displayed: 3h45
